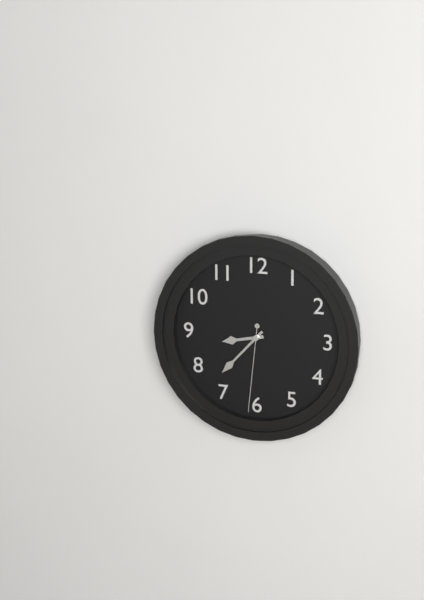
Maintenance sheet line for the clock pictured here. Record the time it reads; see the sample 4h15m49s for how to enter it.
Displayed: 8h37m31s
